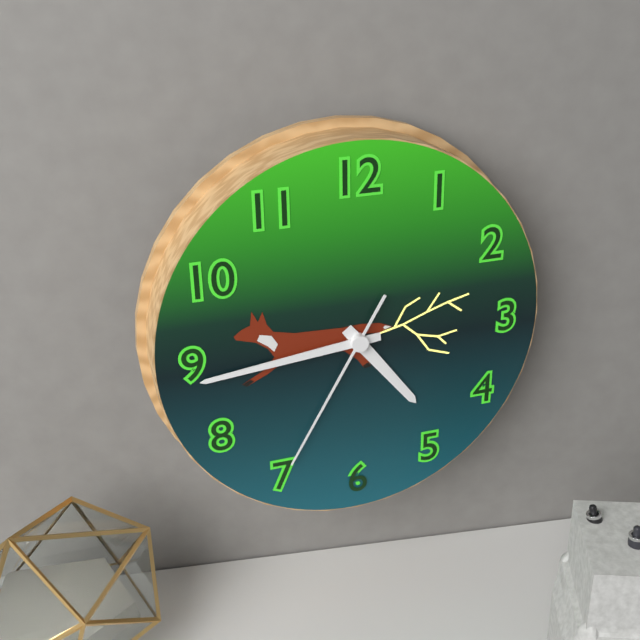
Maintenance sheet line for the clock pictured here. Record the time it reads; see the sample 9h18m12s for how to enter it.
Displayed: 4h44m35s
